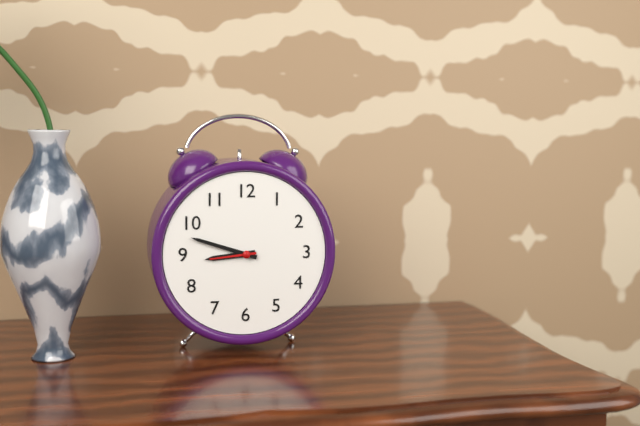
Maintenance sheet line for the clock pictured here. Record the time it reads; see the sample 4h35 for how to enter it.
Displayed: 8h48
